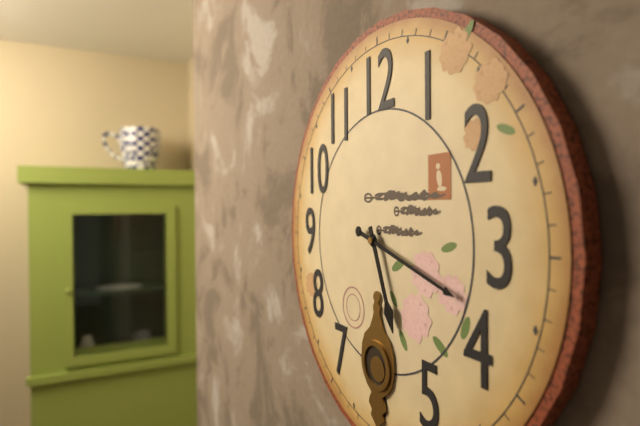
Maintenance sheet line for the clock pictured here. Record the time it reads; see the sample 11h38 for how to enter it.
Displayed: 5h18
